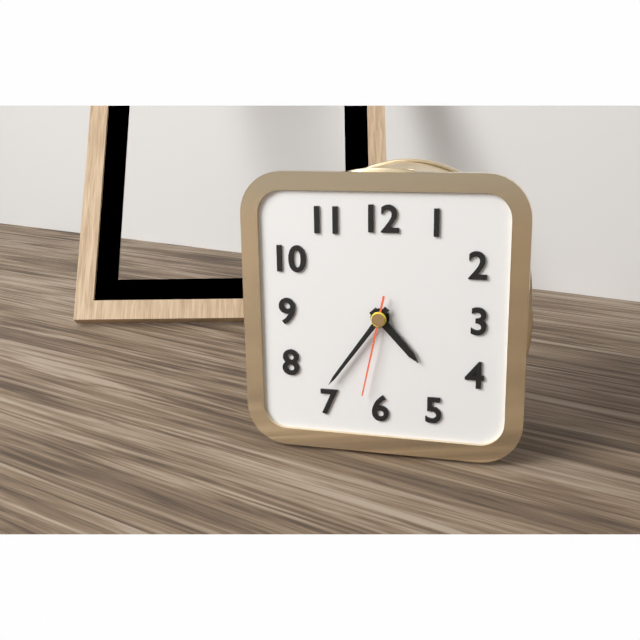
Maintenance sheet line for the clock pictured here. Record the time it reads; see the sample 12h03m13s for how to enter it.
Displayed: 4h36m32s
